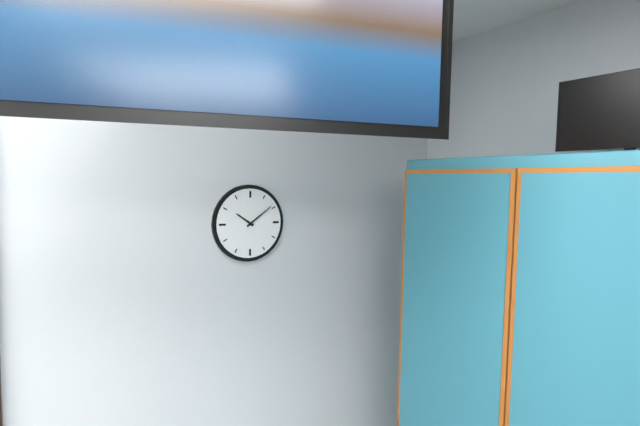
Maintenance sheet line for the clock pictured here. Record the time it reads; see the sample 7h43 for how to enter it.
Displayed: 10h09
